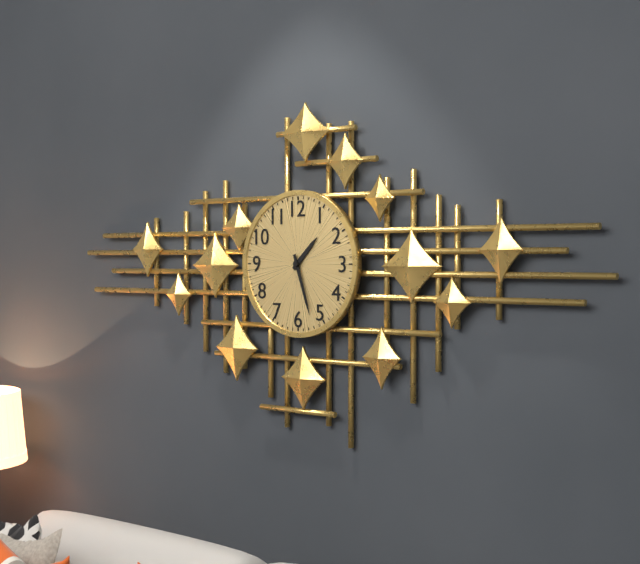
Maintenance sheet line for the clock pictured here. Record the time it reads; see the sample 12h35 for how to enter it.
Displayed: 1h27
